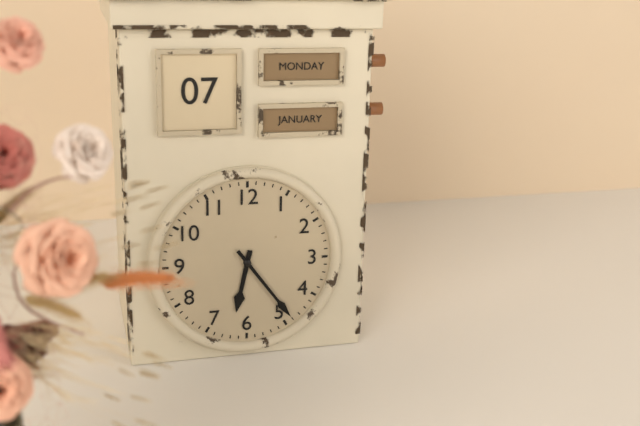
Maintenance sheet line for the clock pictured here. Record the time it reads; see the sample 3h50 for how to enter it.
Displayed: 6h24
